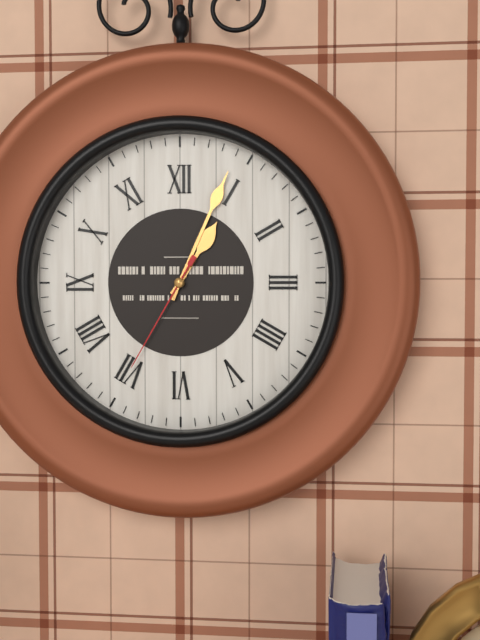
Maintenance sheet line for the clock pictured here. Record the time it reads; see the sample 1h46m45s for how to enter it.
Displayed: 1h04m35s
